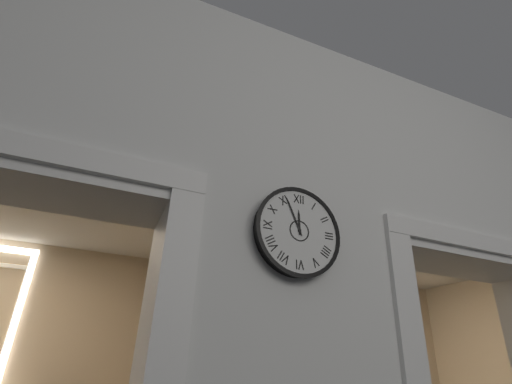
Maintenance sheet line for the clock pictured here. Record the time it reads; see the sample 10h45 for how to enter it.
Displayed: 11h56
